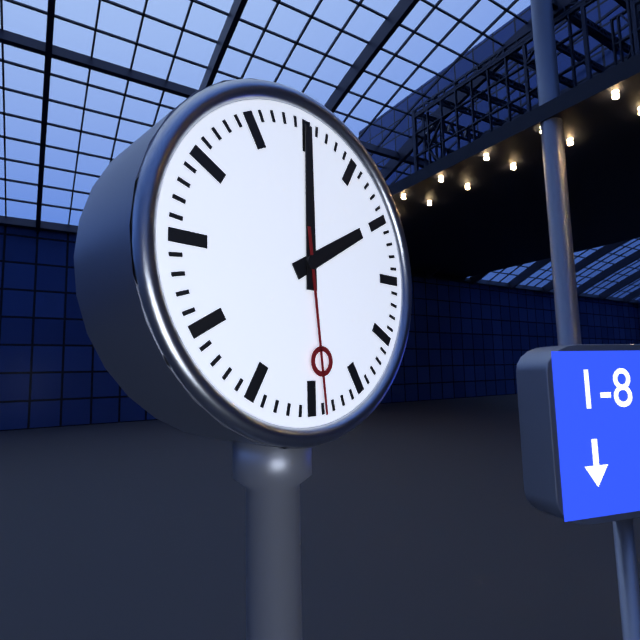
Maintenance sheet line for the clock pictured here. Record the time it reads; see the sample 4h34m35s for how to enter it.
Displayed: 2h00m29s
